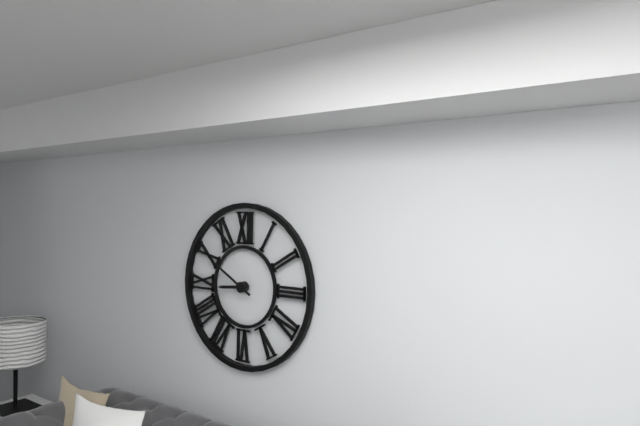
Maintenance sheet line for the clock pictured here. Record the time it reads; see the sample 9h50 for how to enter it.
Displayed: 8h50
